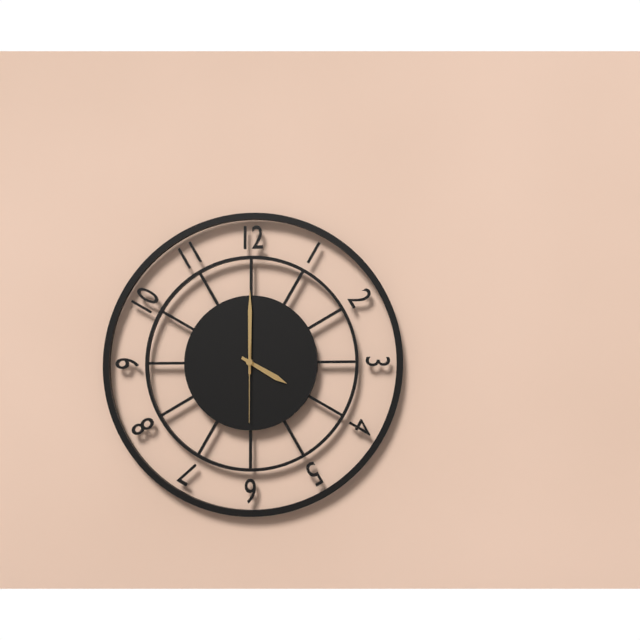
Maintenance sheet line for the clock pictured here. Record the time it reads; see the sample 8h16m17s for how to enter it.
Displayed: 4h00m30s
